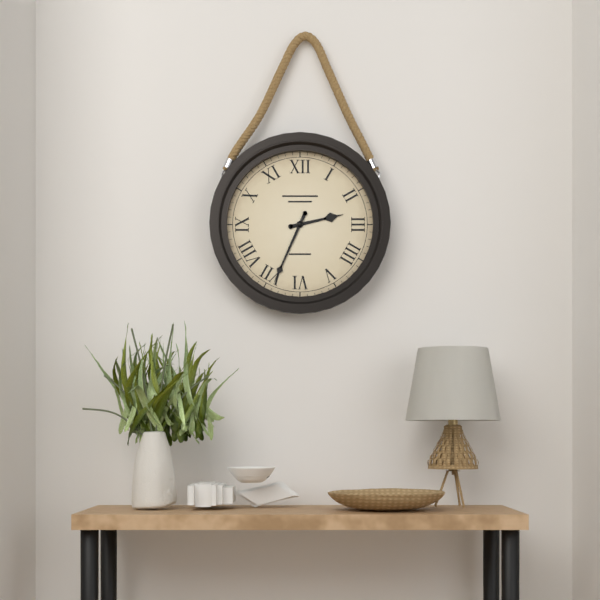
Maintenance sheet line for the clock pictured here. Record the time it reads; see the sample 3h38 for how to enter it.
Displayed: 2h34
